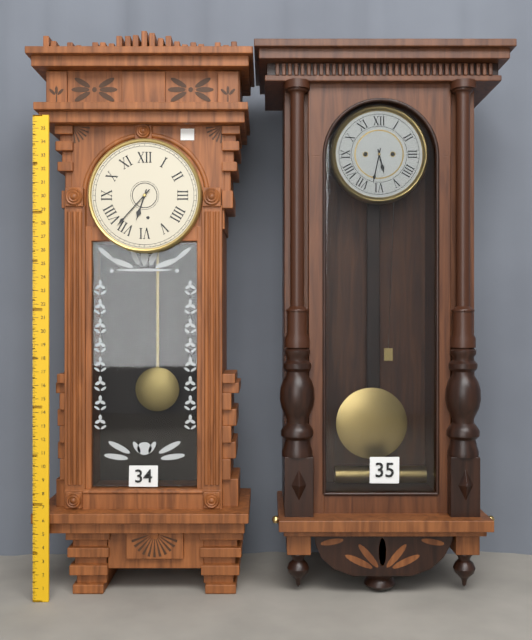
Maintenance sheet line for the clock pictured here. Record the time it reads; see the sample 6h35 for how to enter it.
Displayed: 6h37
